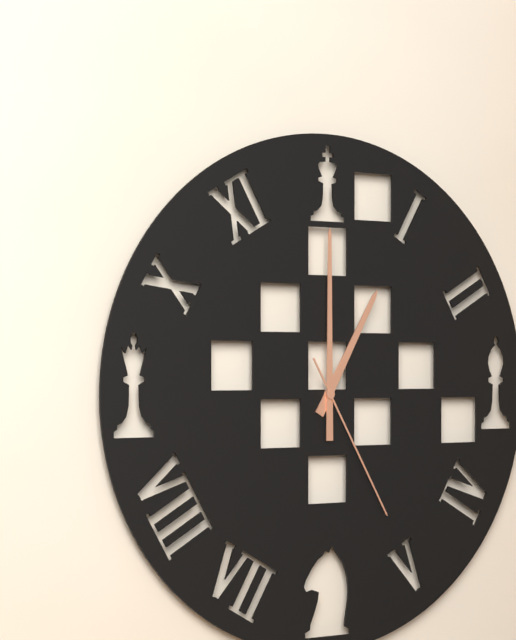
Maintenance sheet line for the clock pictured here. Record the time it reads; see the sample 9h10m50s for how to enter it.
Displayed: 1h00m25s
